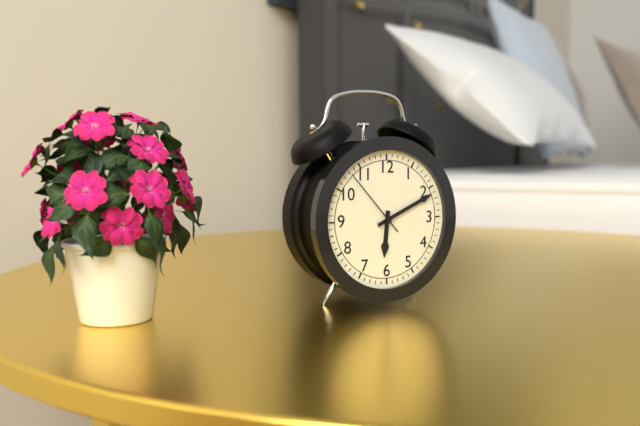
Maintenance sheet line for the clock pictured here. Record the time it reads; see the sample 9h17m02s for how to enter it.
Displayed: 6h11m53s
